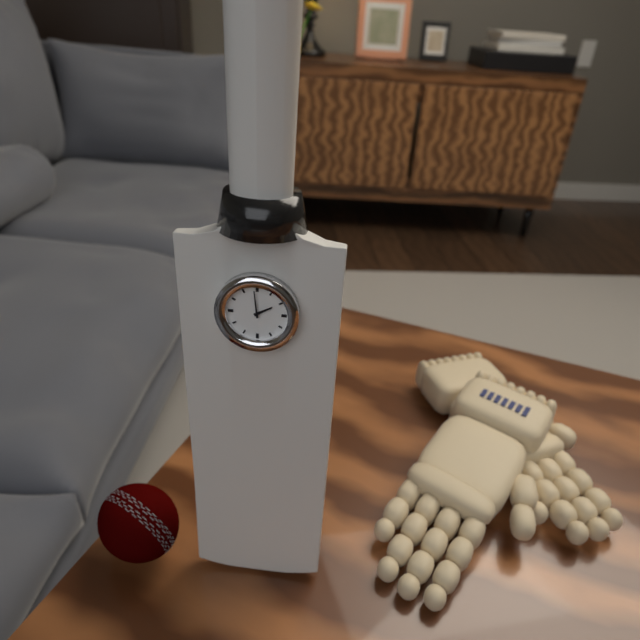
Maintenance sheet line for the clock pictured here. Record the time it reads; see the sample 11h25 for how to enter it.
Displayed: 1h59
